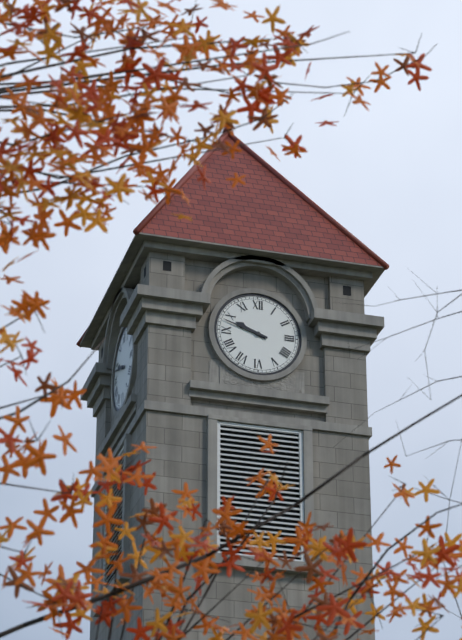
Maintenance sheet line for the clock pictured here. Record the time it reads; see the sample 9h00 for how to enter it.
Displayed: 9h48
